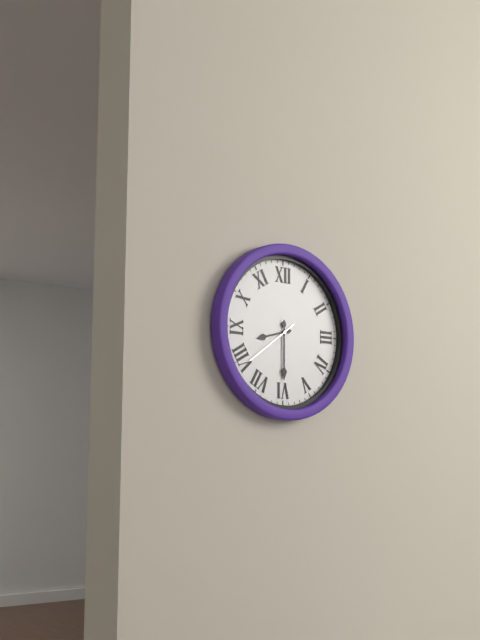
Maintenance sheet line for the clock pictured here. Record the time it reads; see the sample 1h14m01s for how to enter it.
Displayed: 8h30m39s
